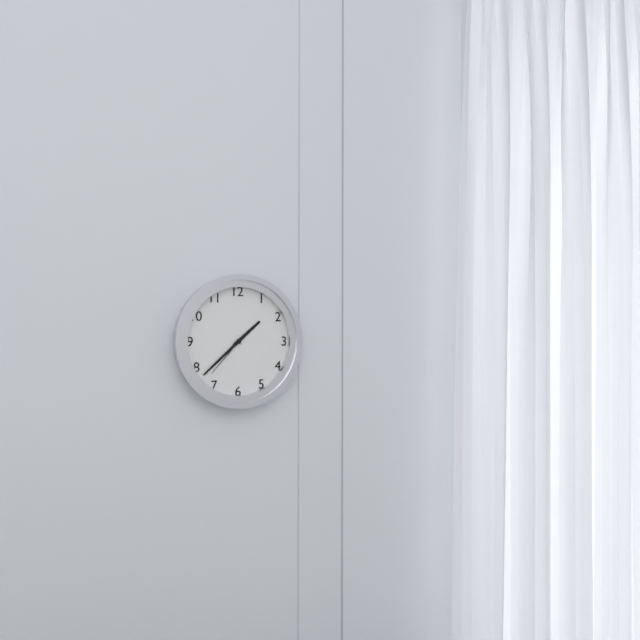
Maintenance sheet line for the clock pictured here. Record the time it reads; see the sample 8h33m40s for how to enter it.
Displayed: 1h38m37s
